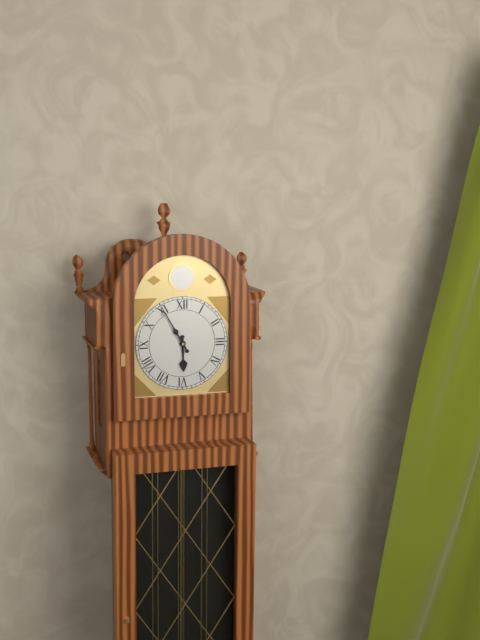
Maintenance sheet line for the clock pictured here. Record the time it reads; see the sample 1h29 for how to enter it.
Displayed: 5h55
